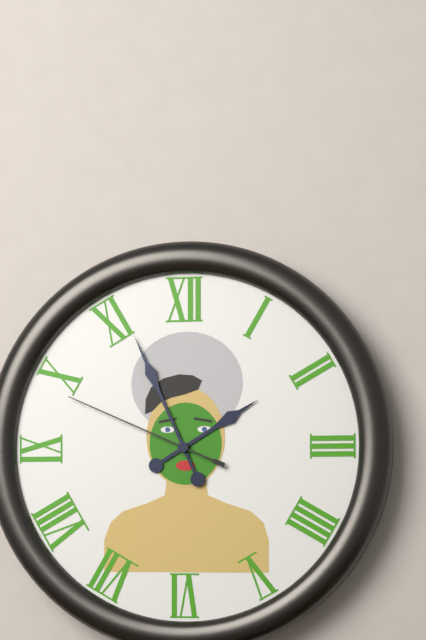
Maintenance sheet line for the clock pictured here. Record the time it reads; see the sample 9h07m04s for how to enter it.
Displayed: 1h56m49s
